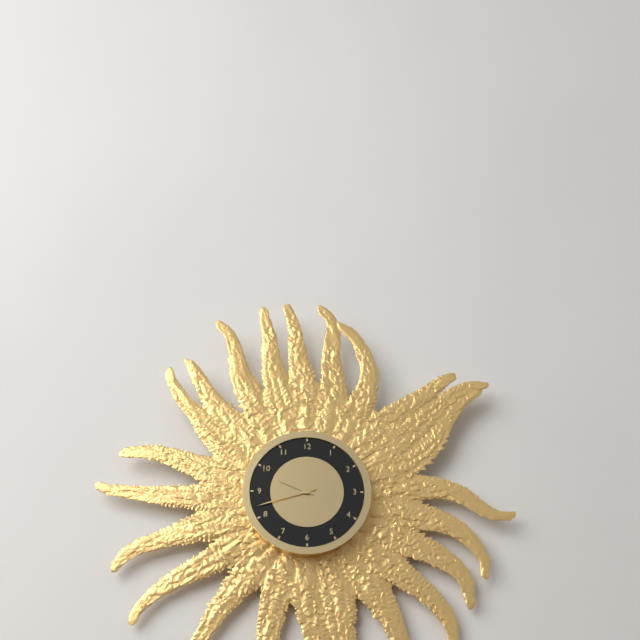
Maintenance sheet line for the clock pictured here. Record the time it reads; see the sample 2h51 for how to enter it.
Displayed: 9h42
